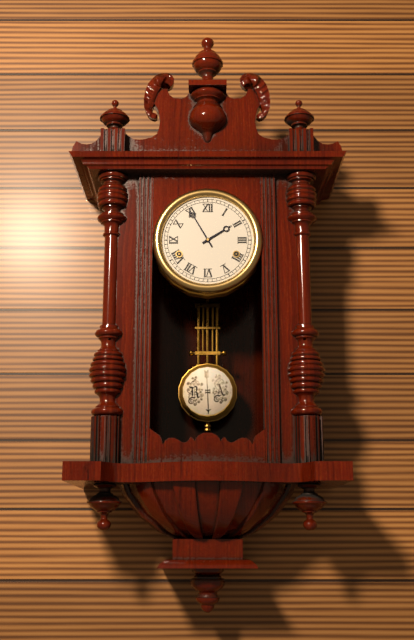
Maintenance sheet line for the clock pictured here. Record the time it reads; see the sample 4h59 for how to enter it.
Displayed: 1h55
